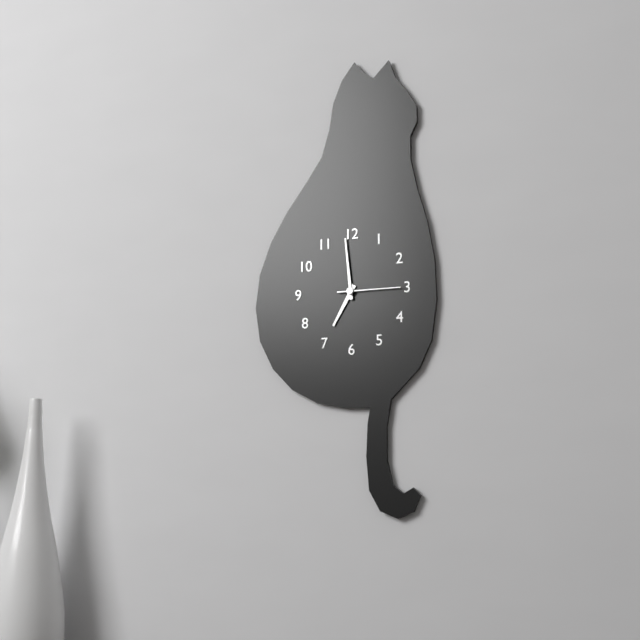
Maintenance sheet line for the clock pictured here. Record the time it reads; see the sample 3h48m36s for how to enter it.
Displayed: 6h59m15s
